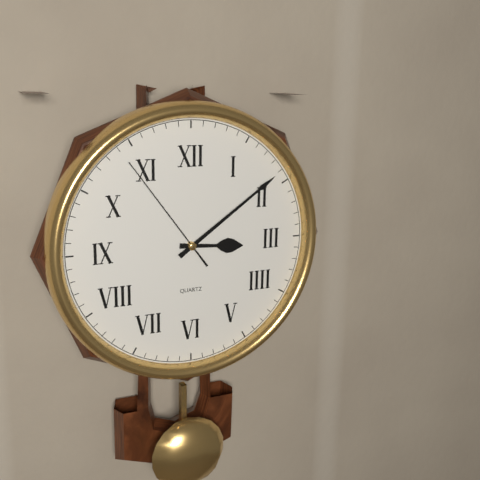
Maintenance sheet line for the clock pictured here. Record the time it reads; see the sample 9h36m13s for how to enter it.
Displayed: 3h09m54s
